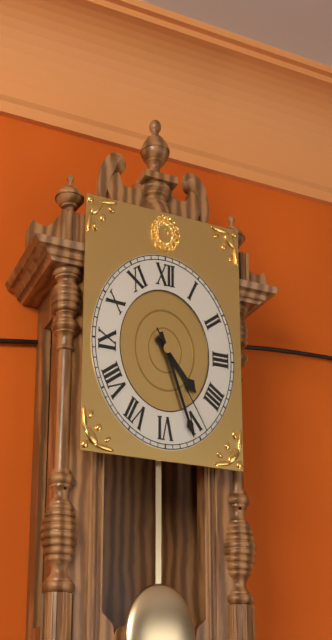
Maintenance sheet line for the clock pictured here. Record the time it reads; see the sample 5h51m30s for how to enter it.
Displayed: 4h26m24s
